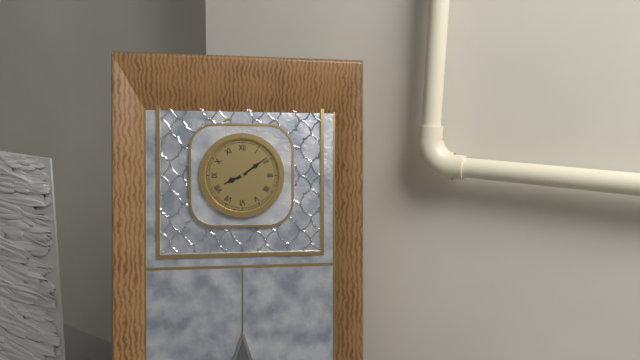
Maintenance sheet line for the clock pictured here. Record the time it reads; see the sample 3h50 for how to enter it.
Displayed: 8h09
